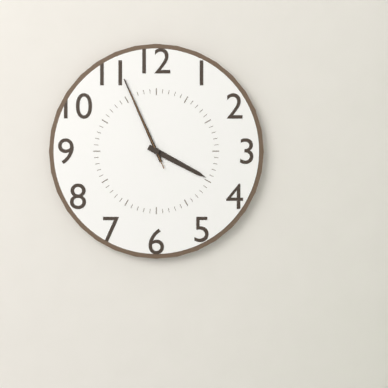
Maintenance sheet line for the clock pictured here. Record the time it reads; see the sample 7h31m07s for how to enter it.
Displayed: 3h56m56s
